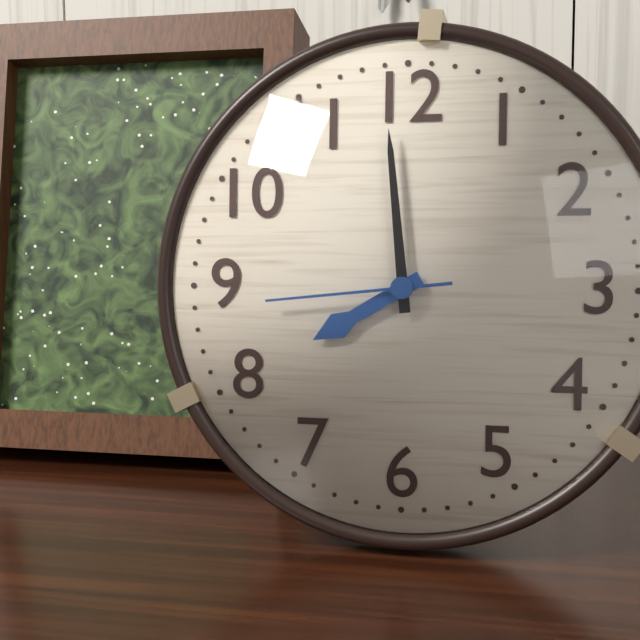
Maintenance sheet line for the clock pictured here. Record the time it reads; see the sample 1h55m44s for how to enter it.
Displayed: 7h59m44s
